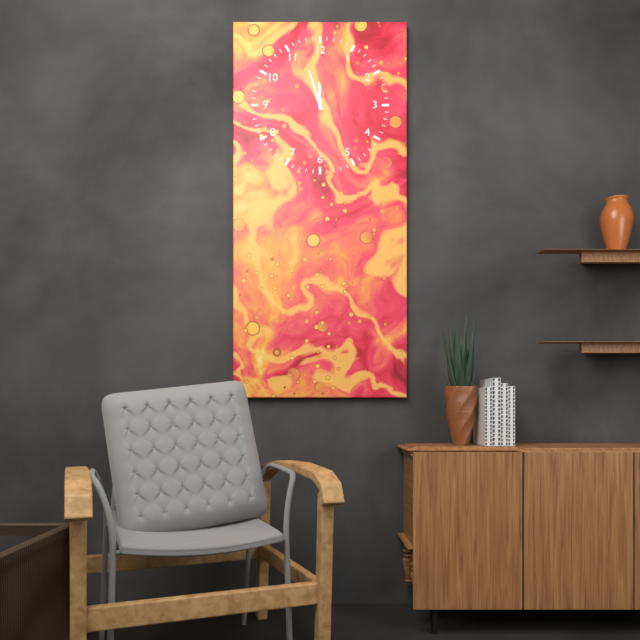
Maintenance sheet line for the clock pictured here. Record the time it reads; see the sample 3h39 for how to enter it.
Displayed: 11h57
